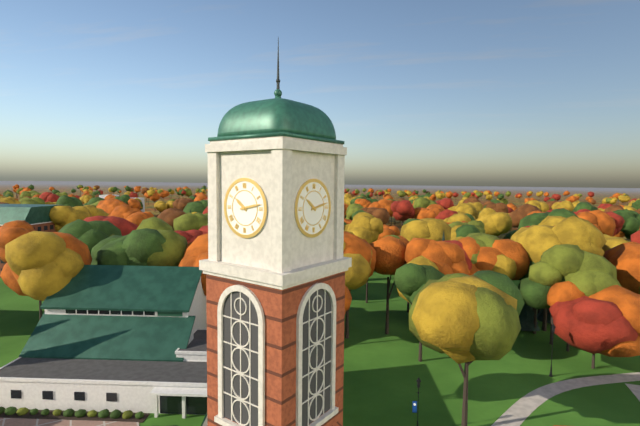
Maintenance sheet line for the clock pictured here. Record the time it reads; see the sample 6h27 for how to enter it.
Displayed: 10h13
